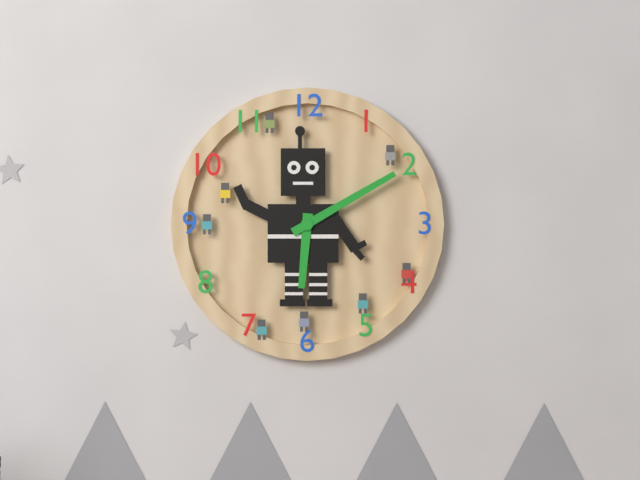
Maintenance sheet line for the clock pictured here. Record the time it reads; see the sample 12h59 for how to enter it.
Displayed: 6h10
